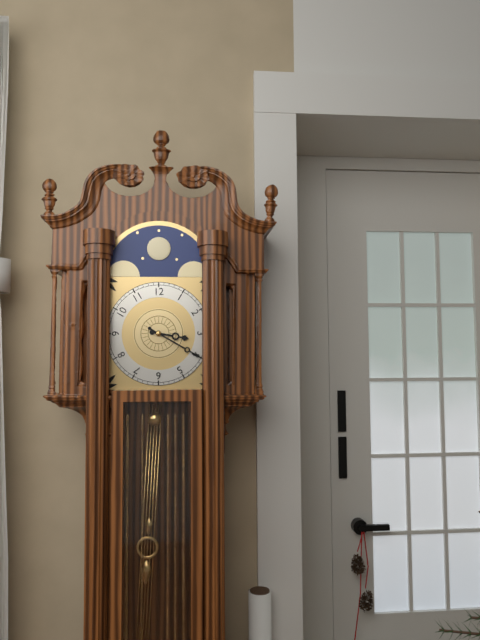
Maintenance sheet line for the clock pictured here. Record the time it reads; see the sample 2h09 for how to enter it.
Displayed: 3h20
